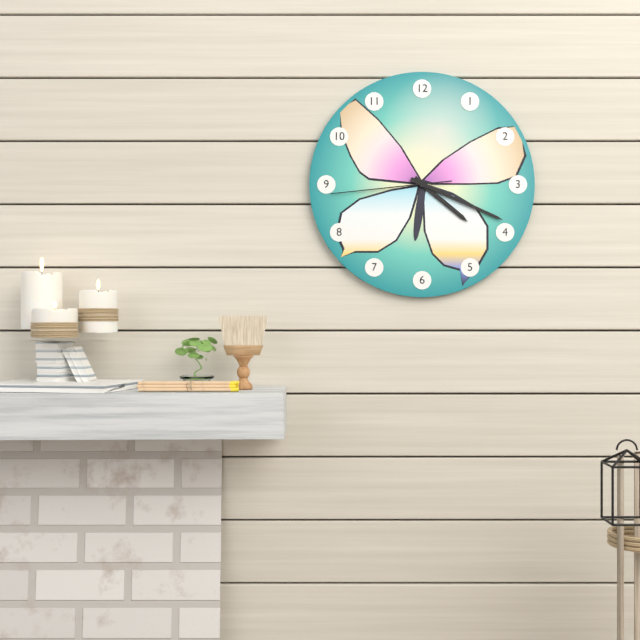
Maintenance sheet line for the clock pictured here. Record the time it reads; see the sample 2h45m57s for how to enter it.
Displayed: 4h19m44s
